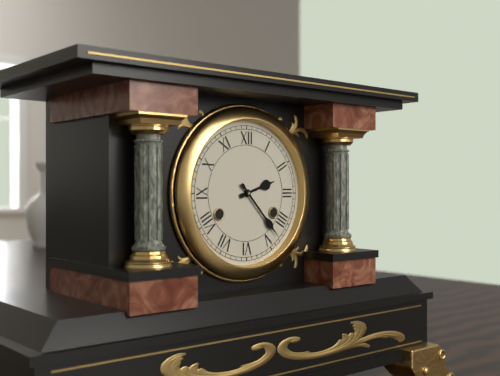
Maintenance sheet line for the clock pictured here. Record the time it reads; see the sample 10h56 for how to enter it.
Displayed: 2h23
